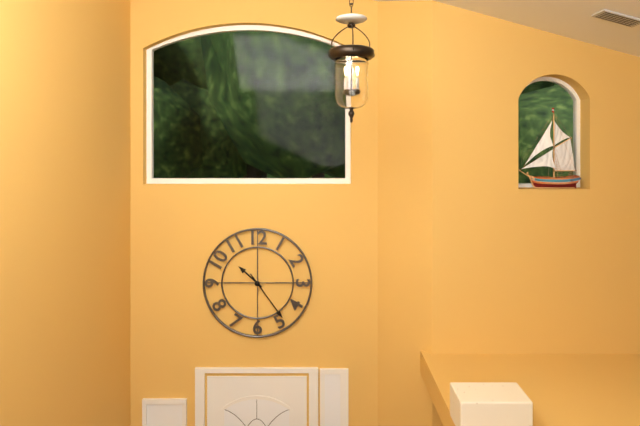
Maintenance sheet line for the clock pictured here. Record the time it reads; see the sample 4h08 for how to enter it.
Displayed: 10h24
